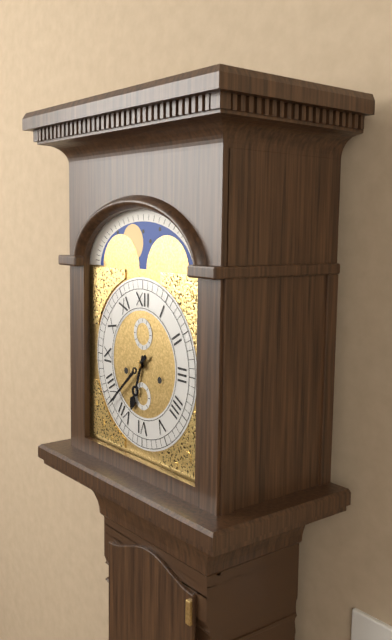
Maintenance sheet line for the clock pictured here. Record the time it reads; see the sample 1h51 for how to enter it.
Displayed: 6h38
